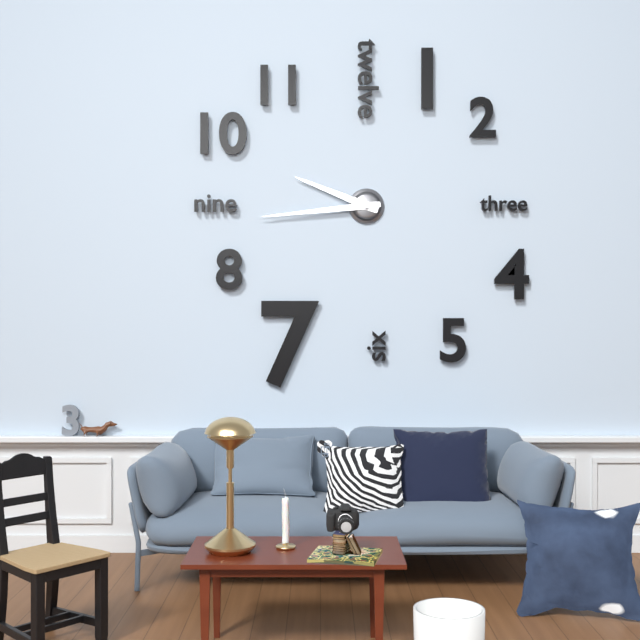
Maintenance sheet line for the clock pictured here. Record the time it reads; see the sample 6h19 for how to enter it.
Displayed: 9h44
